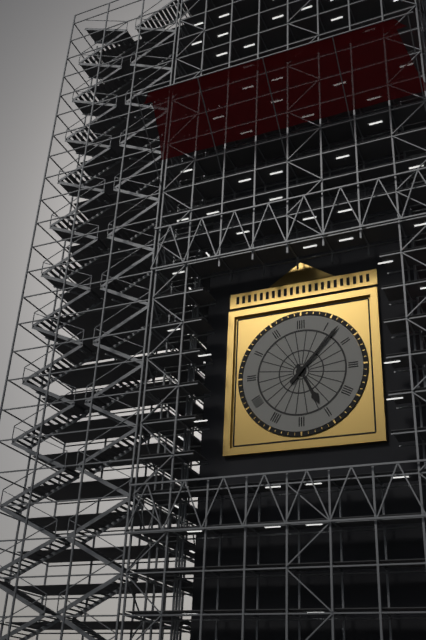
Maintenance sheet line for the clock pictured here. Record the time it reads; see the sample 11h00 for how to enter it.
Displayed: 5h07
